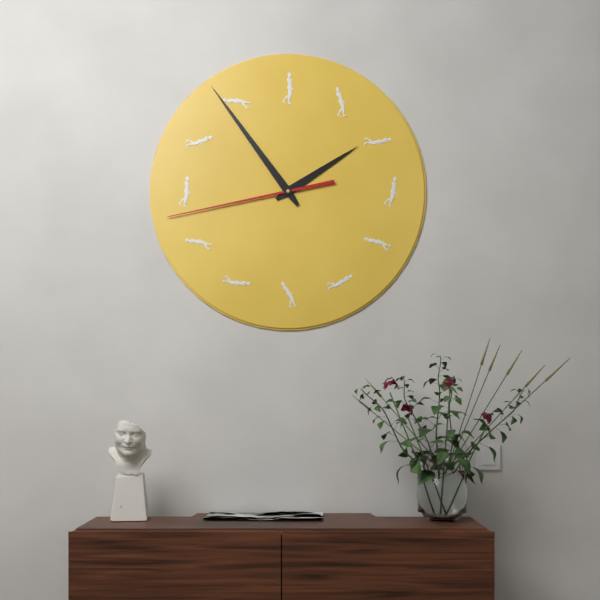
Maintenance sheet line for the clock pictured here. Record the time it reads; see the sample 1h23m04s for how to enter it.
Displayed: 1h54m43s
